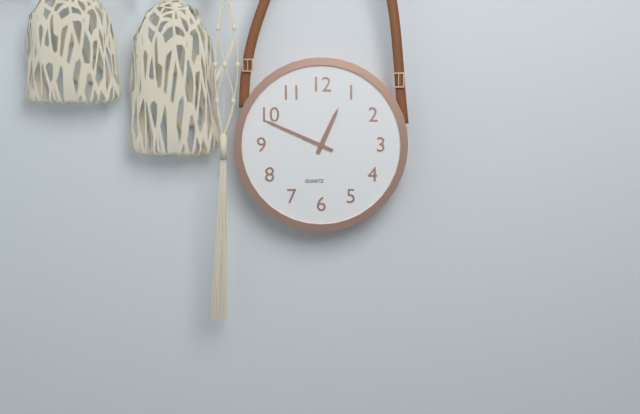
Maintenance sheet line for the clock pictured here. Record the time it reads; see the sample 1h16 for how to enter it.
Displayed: 12h49
